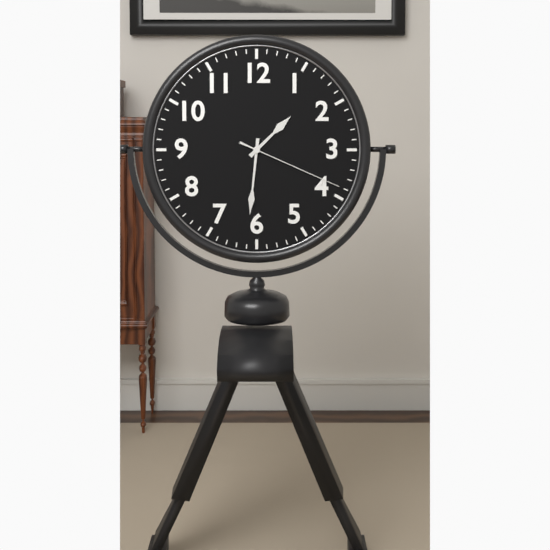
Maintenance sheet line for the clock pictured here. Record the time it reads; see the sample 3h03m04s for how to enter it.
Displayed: 1h31m19s
